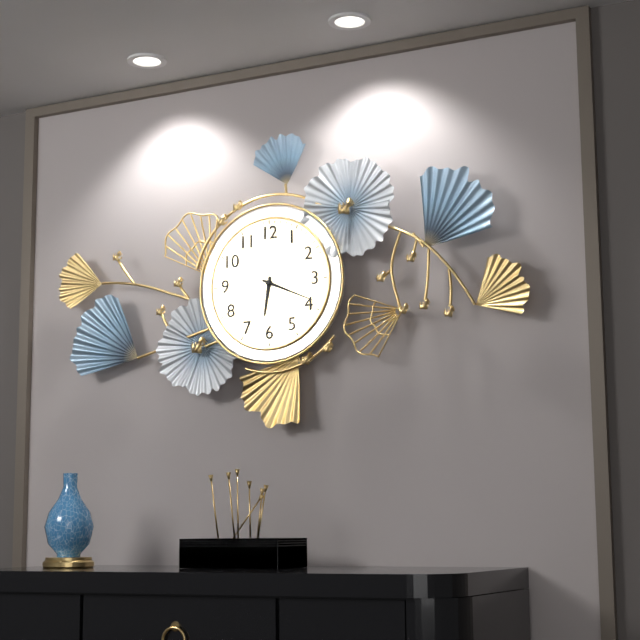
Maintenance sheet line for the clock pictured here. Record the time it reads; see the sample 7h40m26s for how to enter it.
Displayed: 6h19m19s
